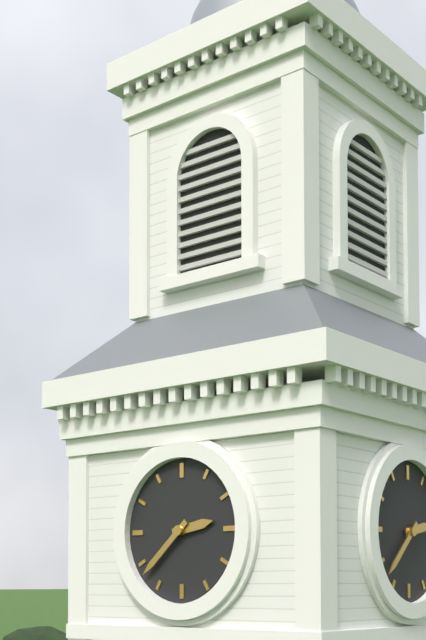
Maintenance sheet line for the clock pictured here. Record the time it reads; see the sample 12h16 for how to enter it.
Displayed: 2h38
